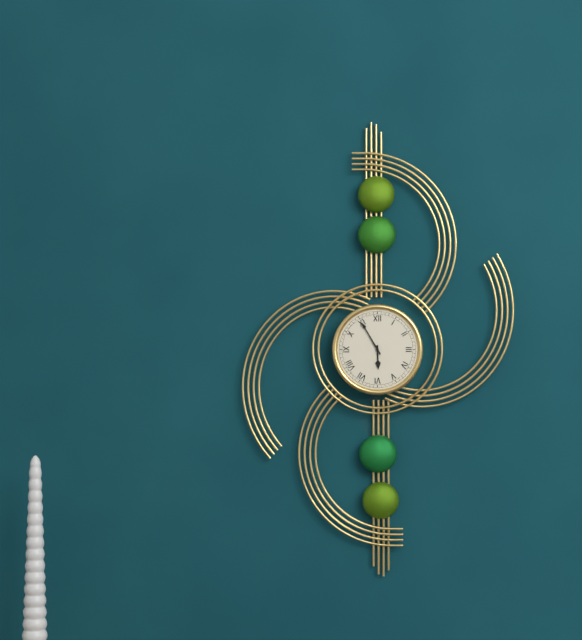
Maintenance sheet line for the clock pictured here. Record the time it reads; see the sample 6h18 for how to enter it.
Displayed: 5h55
